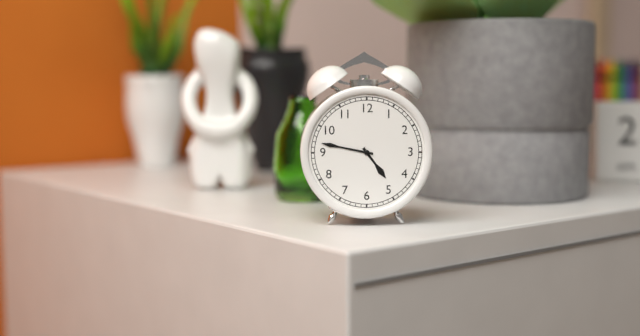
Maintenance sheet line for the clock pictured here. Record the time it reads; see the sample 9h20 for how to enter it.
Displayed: 4h47
